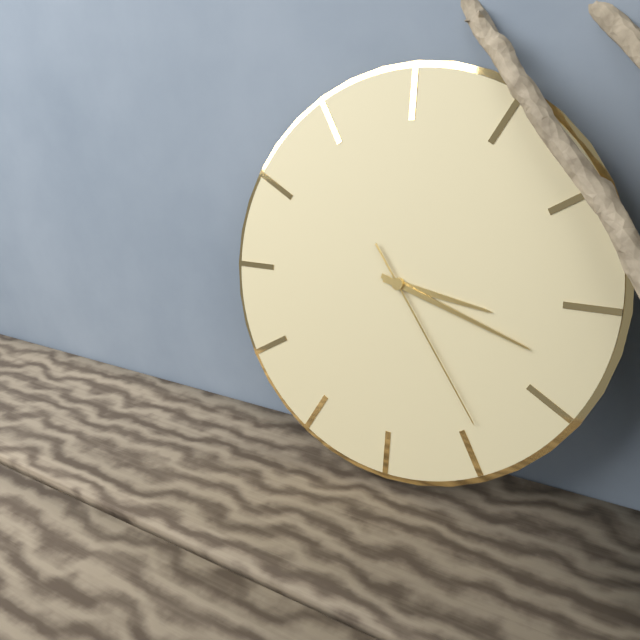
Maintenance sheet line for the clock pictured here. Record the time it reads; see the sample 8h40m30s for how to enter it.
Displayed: 3h18m24s
